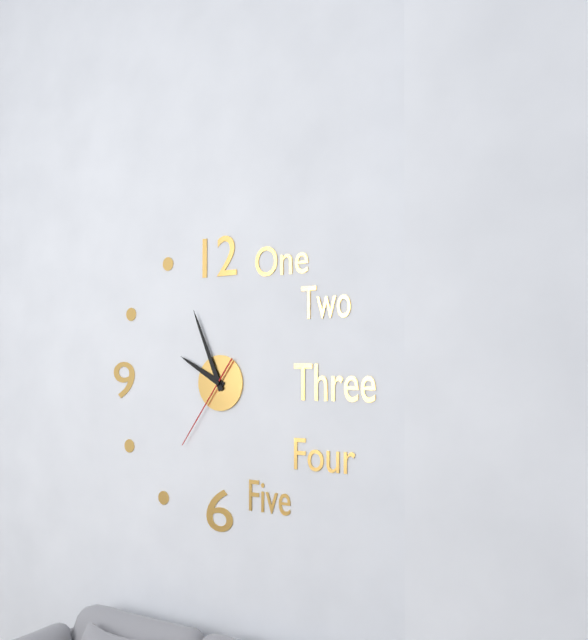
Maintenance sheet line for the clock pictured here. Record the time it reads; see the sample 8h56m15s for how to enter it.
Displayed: 9h56m36s
